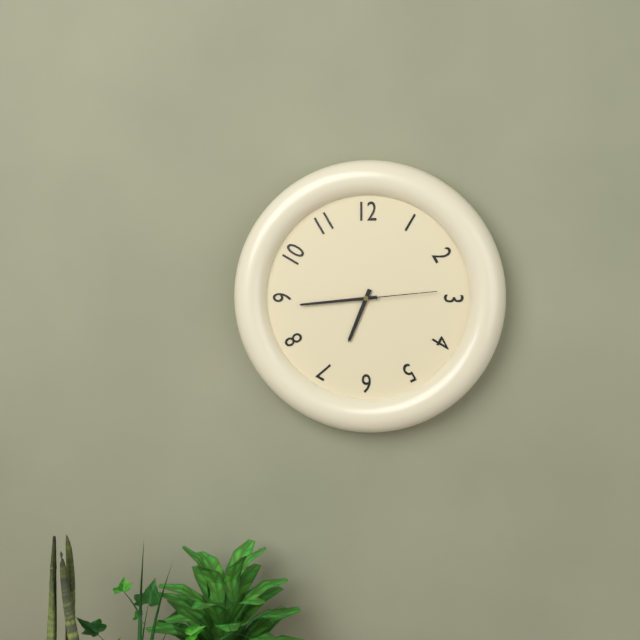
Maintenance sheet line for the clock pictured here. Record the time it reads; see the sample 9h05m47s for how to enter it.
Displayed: 6h44m14s
